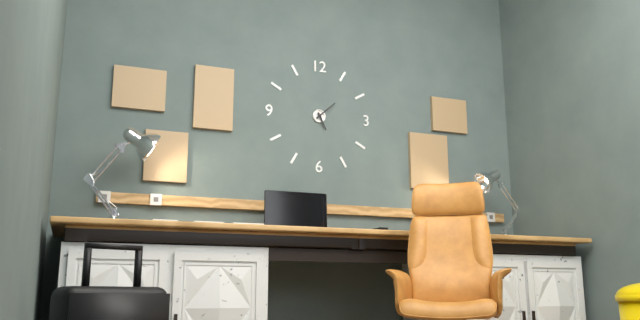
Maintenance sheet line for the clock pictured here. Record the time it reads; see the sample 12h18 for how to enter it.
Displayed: 5h08
